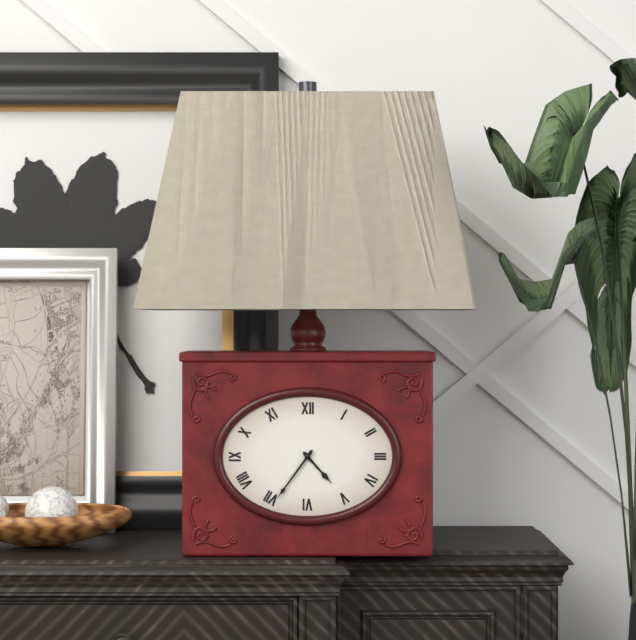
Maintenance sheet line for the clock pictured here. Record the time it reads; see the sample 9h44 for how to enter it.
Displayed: 4h36
